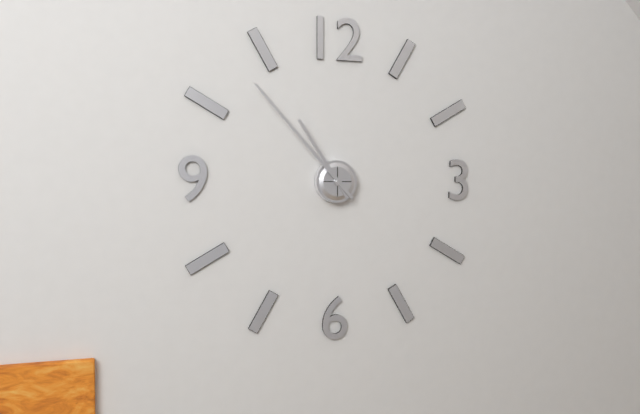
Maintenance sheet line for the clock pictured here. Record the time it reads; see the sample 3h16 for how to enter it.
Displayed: 10h53
